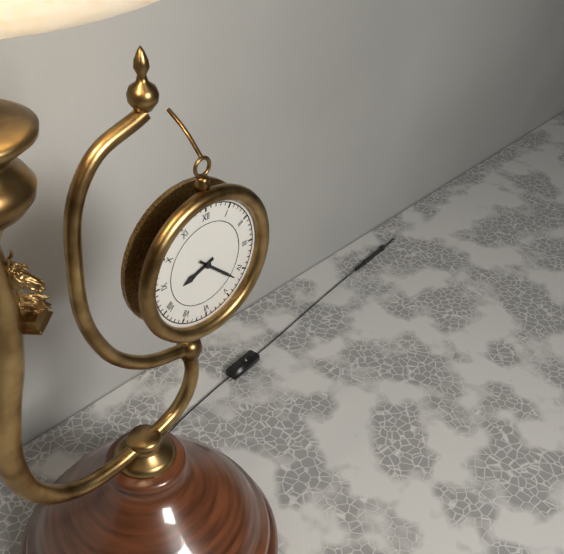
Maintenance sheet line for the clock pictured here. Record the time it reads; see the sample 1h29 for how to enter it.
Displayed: 8h22
